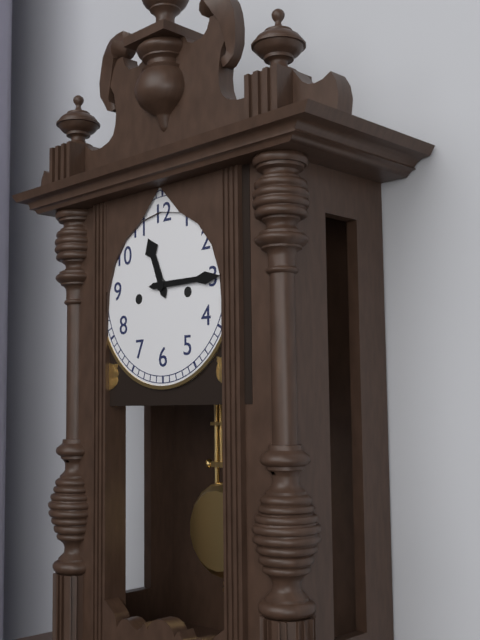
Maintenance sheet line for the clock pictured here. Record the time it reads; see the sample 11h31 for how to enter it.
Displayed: 11h15
